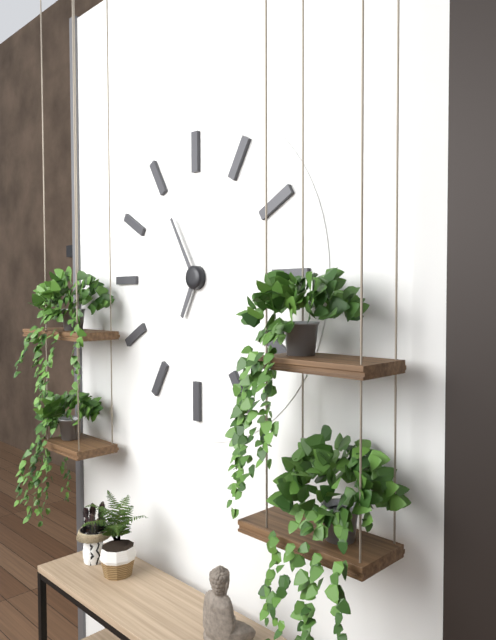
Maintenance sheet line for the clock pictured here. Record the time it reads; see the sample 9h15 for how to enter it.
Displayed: 6h55
